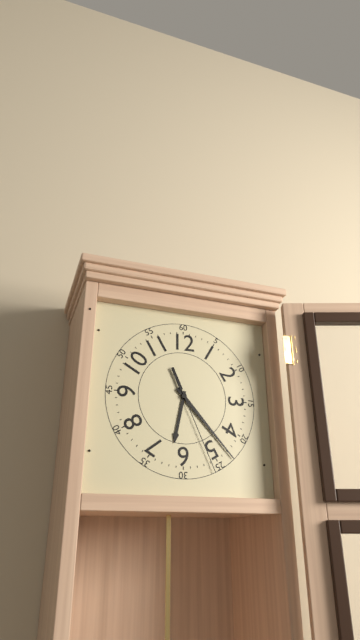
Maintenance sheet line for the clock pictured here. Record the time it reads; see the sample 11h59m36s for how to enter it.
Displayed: 6h23m26s
